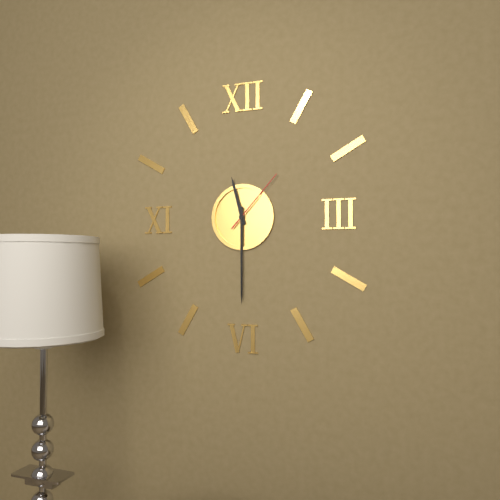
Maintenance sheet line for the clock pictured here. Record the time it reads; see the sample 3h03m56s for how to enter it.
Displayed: 11h30m07s
